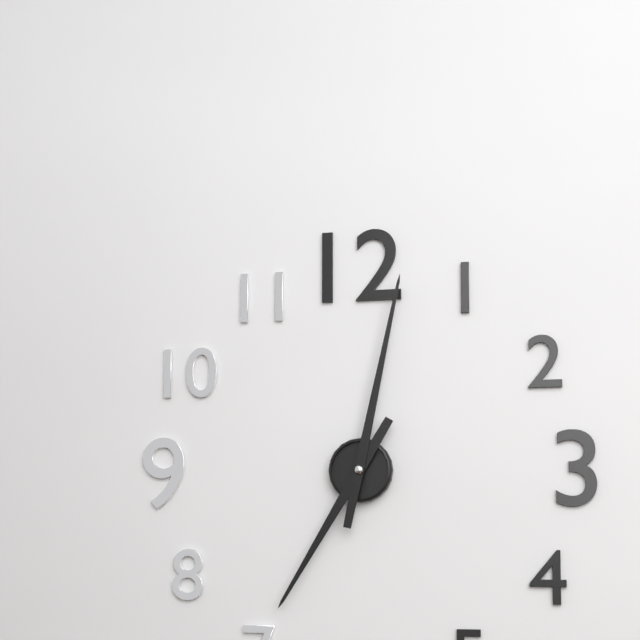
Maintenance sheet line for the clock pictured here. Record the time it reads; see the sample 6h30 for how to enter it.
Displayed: 7h02
